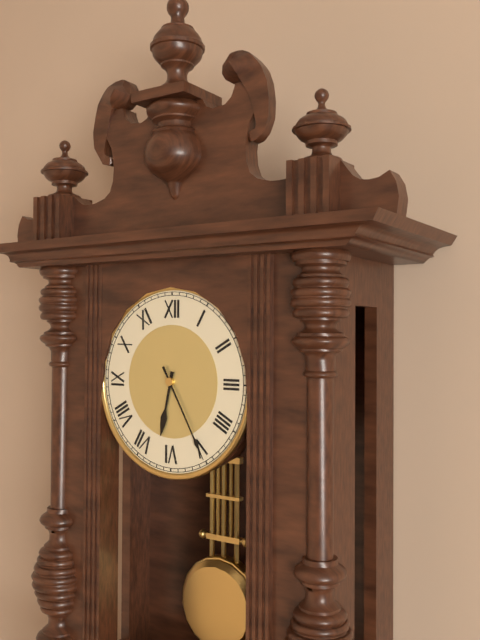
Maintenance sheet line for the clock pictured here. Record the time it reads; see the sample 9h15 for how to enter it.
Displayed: 6h25
